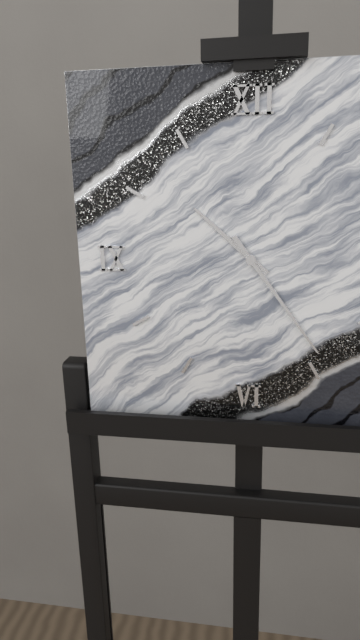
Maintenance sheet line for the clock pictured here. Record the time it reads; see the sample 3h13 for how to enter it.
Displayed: 10h24
